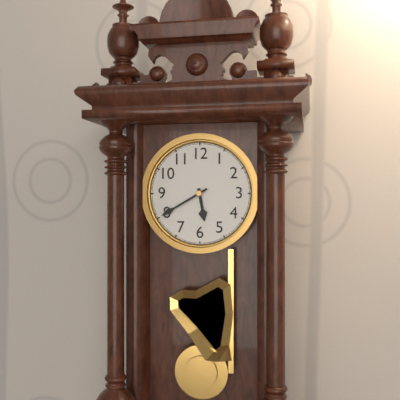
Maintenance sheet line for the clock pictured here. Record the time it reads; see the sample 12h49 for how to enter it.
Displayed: 5h40
